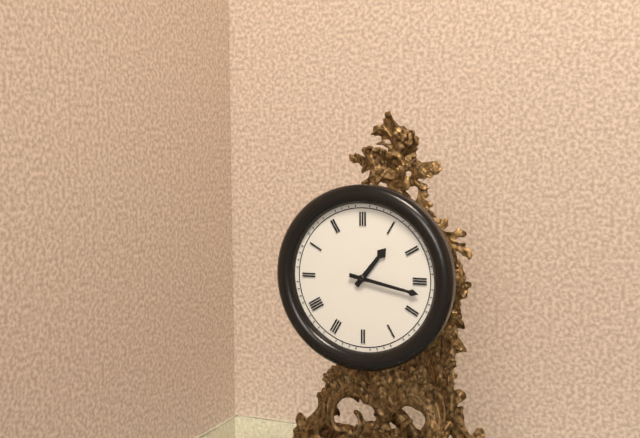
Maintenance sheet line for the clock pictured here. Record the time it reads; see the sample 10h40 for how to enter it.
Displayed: 1h17
